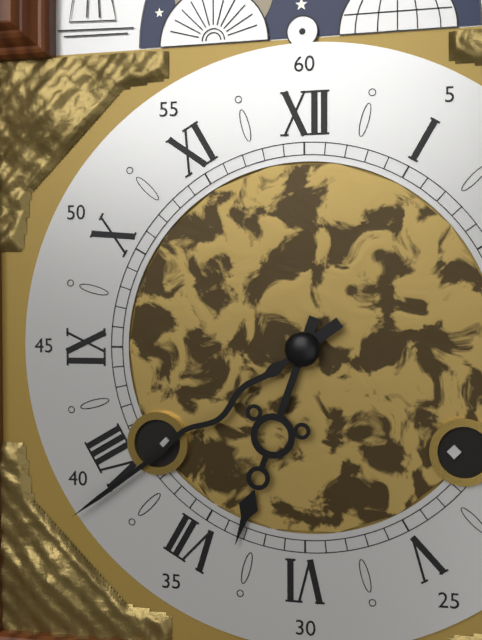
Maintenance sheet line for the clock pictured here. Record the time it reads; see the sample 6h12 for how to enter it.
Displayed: 6h39
